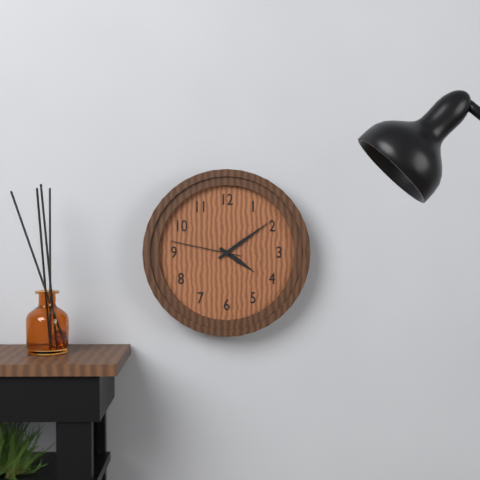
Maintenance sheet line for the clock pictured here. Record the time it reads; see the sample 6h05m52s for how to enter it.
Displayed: 4h09m47s
